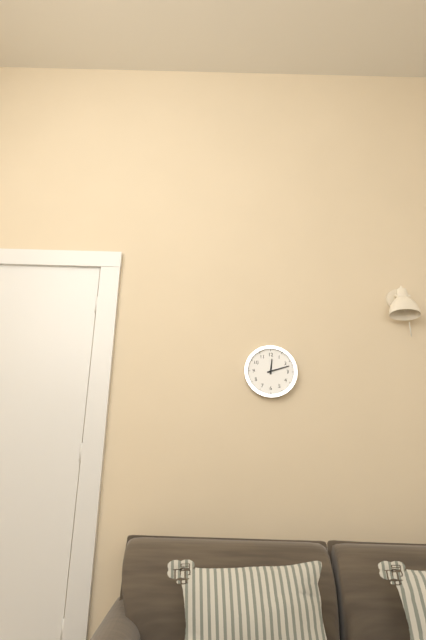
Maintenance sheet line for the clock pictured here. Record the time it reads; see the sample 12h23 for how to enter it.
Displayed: 12h12
